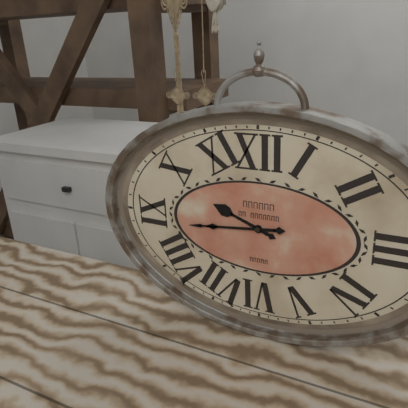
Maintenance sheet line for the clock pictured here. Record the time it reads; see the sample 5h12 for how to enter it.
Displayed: 9h44
